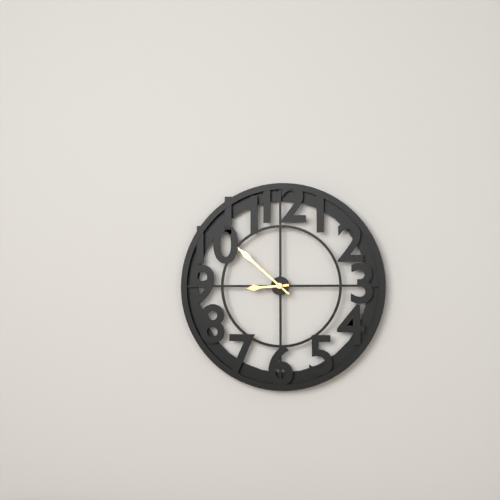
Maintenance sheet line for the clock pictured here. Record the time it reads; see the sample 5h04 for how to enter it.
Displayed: 8h52
